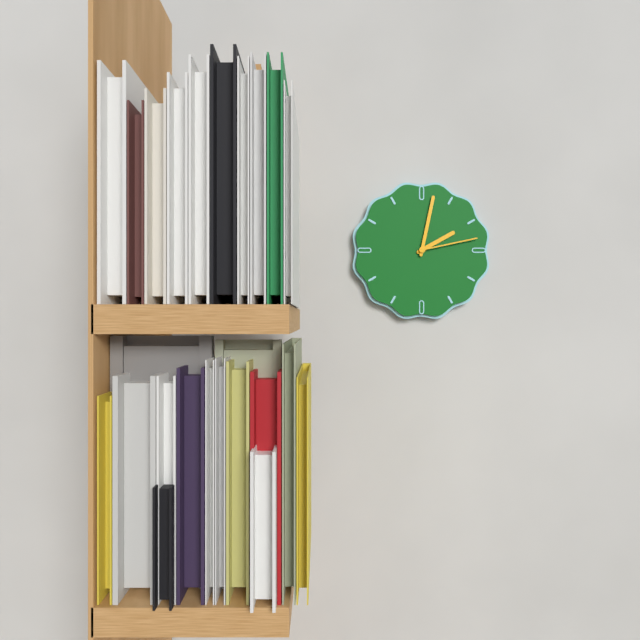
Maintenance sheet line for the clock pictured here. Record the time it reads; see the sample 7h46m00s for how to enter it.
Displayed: 2h02m13s
